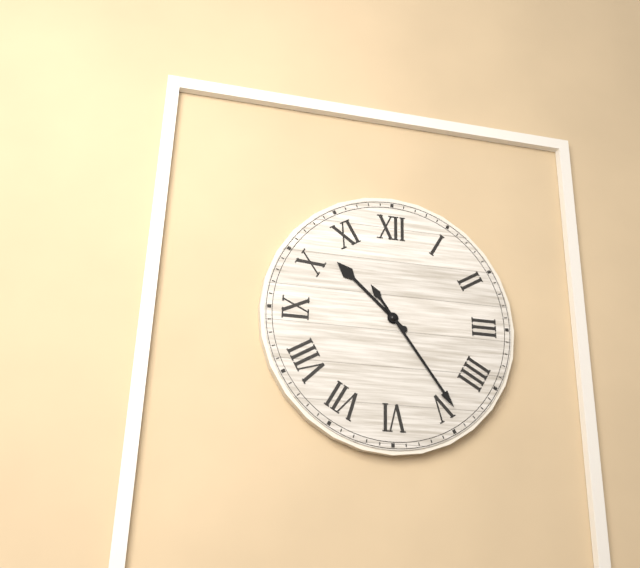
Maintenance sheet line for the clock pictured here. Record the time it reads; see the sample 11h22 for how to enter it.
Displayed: 10h24
